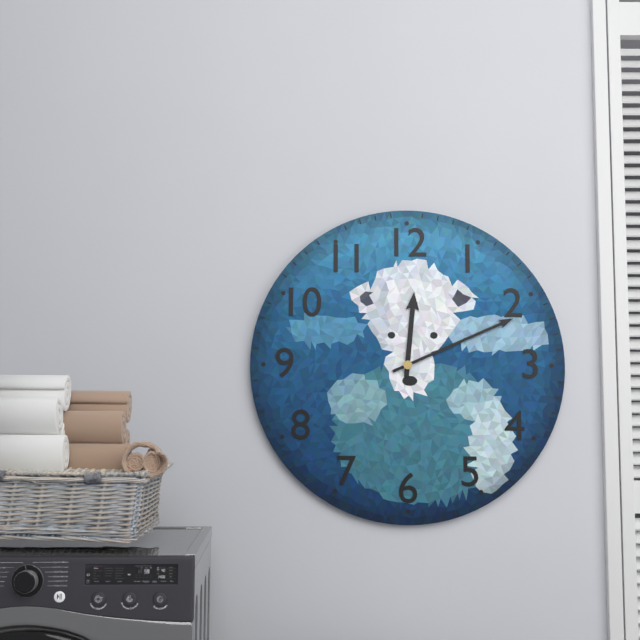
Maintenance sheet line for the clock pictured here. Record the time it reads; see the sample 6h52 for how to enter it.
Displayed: 12h11
